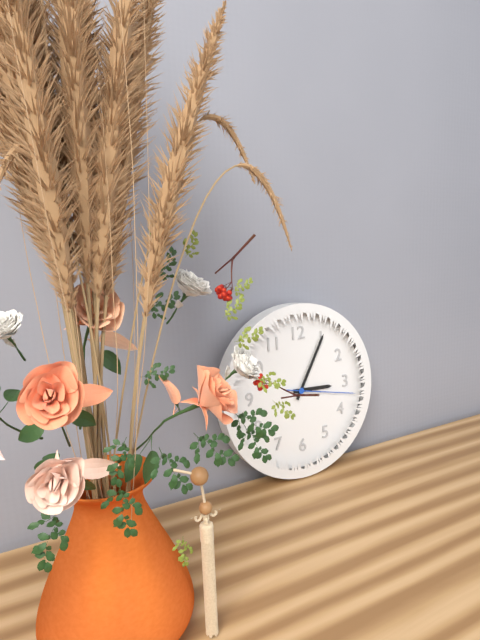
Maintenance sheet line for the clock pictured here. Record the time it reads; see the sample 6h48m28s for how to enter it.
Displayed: 3h05m17s
